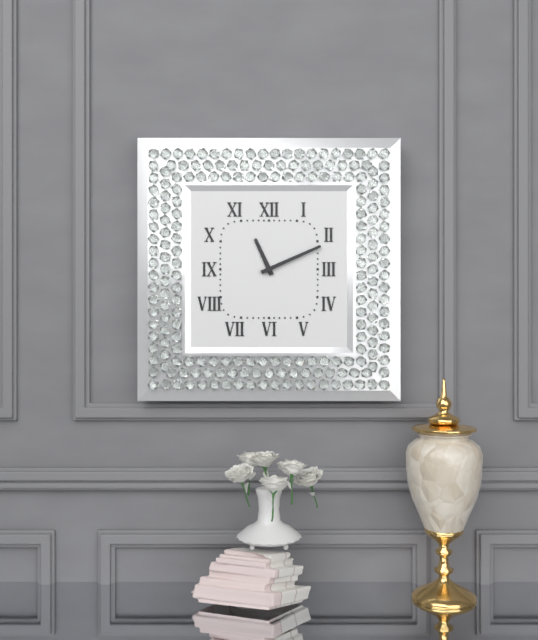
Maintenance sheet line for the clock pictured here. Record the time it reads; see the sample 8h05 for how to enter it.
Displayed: 11h11
